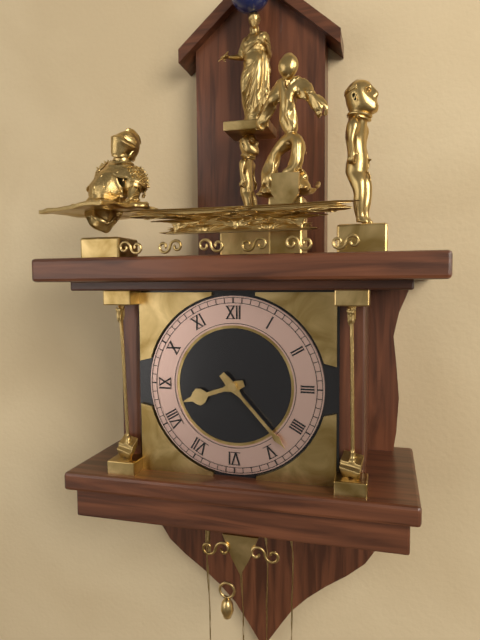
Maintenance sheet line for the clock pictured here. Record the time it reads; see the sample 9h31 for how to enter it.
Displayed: 8h23
